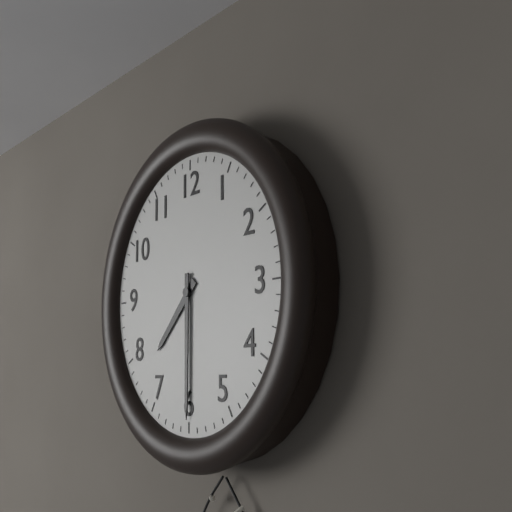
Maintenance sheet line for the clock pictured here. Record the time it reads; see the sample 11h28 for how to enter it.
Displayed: 7h30
